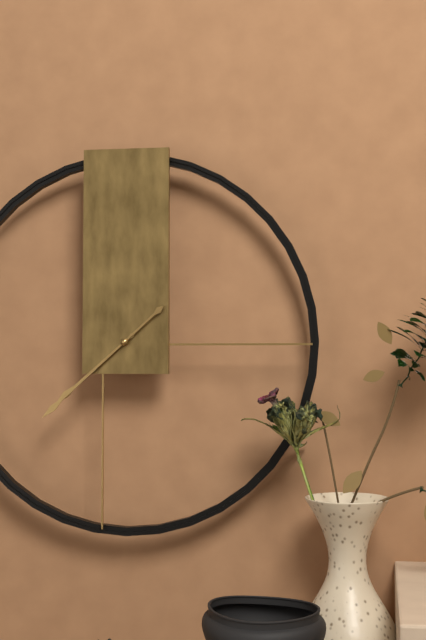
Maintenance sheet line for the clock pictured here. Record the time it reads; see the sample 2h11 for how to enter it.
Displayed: 7h38
